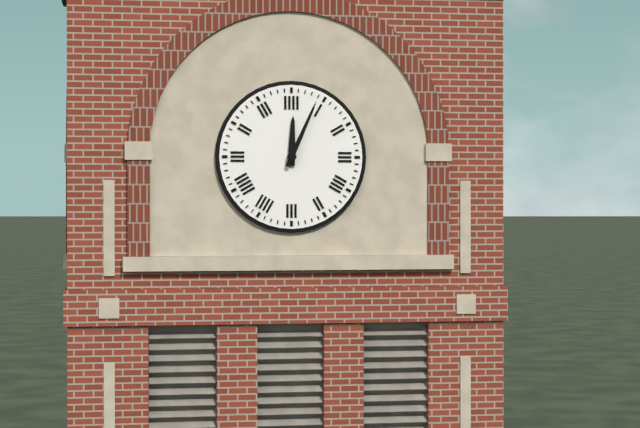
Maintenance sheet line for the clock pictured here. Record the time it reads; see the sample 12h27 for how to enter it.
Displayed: 12h04
